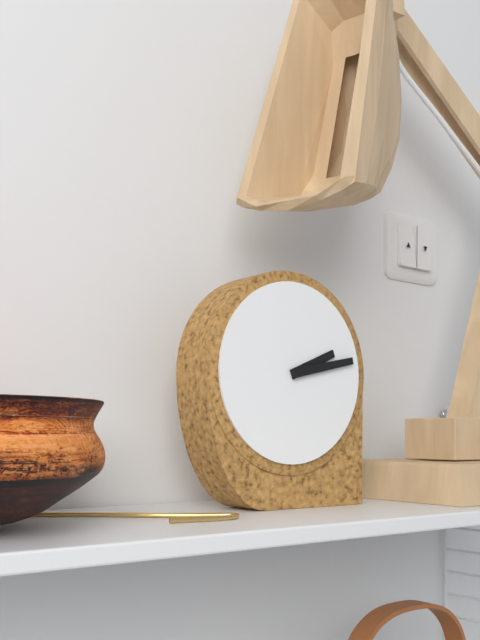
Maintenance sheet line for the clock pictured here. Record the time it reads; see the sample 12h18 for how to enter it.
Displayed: 2h13
